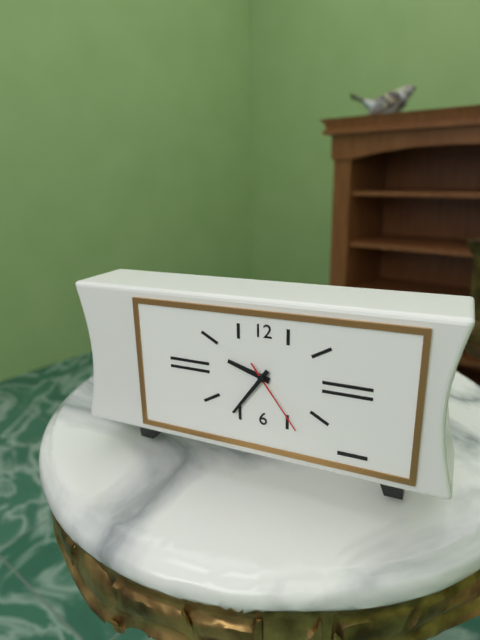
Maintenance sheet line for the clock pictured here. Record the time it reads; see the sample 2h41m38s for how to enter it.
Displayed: 9h36m24s
